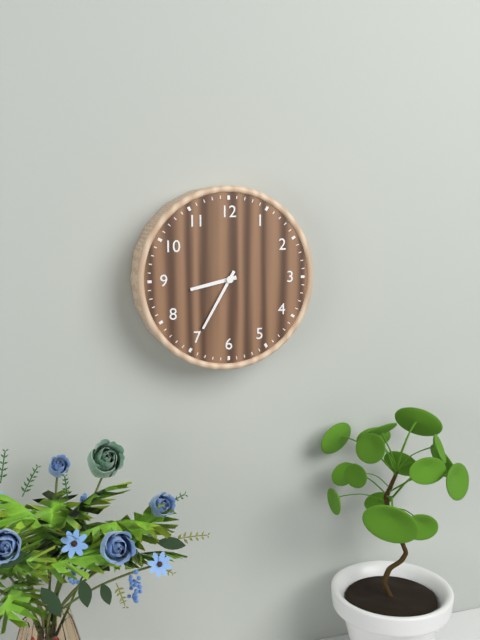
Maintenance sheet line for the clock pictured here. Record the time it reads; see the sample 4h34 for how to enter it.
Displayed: 8h35
